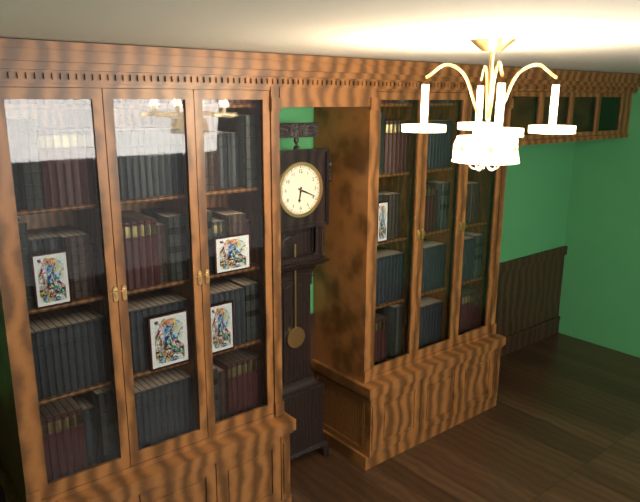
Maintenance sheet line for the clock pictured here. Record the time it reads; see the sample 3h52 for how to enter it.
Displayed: 6h19
